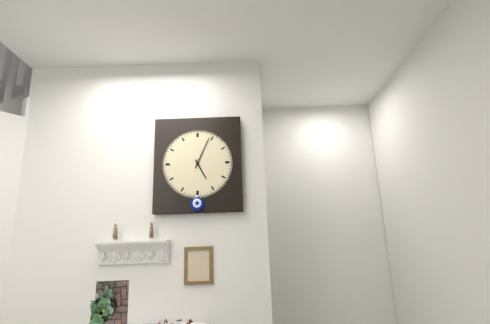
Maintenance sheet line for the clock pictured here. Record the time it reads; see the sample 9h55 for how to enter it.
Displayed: 5h04
